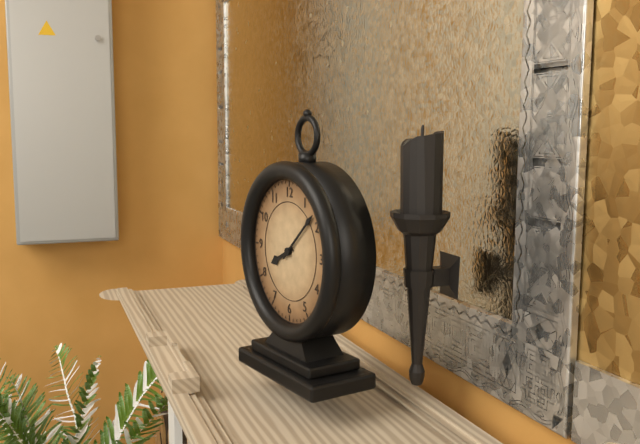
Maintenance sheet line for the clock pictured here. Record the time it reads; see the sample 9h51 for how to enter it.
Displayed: 8h08
